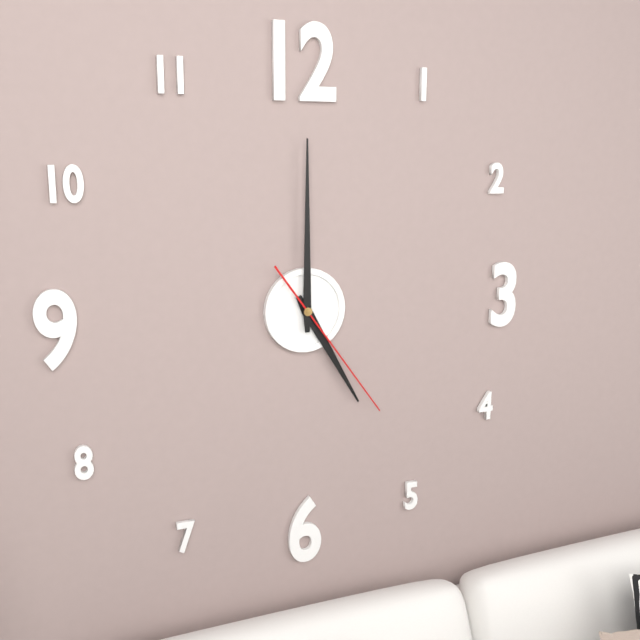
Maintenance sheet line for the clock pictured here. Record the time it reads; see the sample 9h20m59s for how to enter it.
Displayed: 5h00m24s
